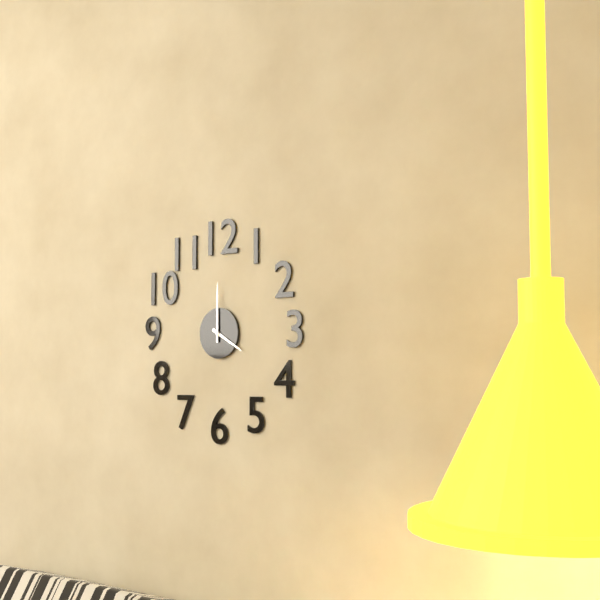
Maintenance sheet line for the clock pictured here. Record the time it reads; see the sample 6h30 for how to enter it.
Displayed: 4h00
